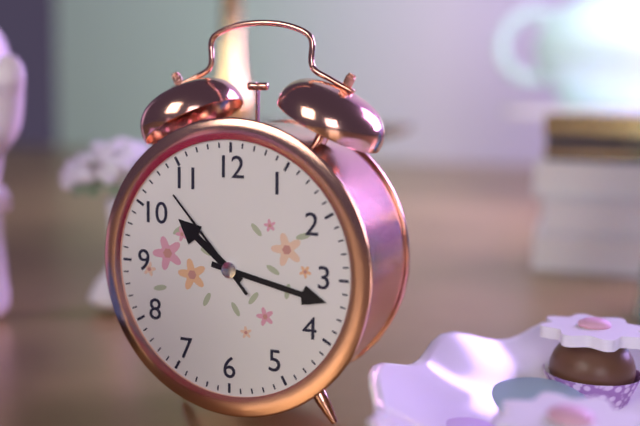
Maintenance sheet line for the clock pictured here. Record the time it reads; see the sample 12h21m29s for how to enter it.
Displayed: 10h17m53s
